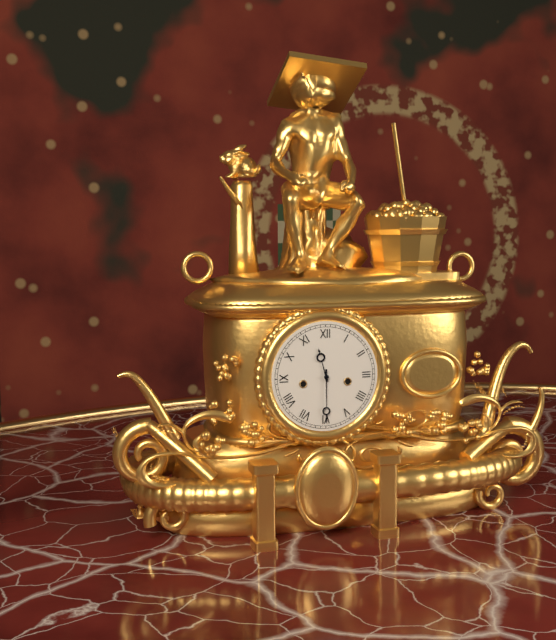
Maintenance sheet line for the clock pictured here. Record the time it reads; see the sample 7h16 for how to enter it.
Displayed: 11h30
